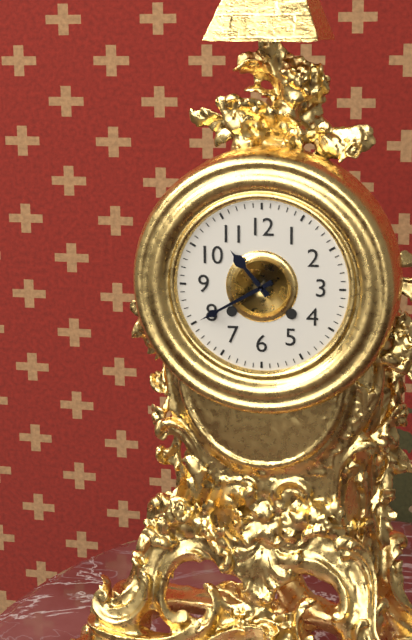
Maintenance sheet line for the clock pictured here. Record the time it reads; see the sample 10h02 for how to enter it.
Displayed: 10h40
